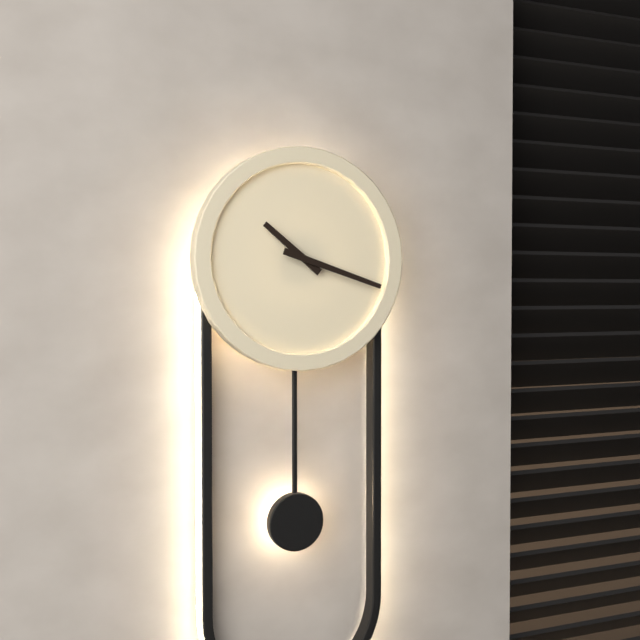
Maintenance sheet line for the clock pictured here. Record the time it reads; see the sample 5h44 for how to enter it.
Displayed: 10h18
